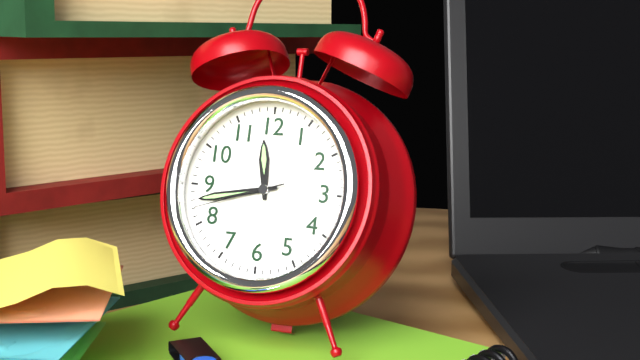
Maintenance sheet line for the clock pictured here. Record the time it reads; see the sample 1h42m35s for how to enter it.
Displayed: 11h43m42s
